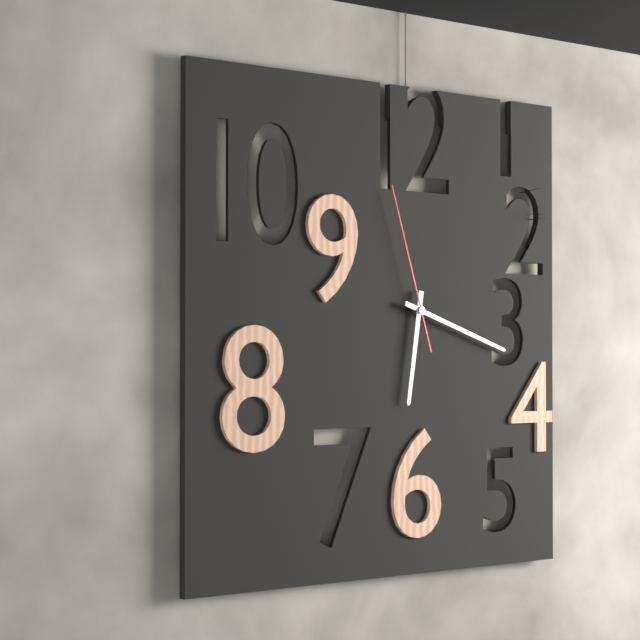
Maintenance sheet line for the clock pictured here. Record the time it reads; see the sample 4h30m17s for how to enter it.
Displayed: 6h18m57s
